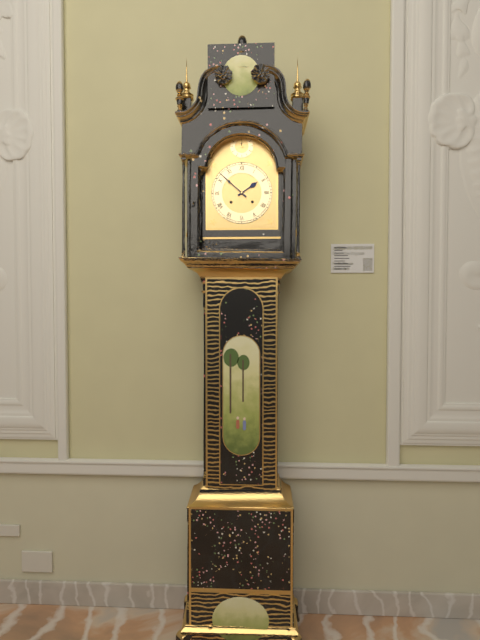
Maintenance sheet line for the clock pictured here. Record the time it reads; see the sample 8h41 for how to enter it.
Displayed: 1h52
